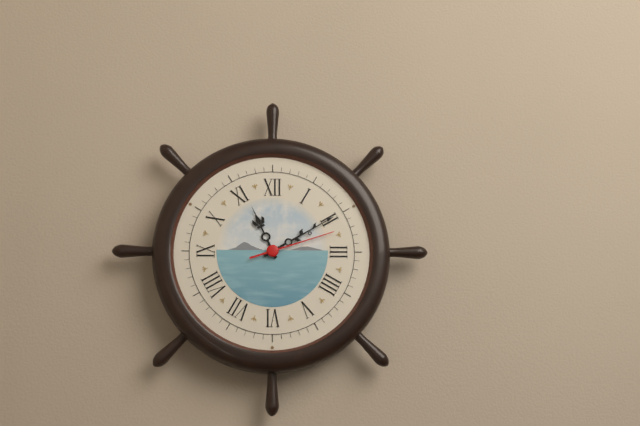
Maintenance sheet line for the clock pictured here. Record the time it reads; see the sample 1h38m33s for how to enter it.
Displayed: 11h10m12s
